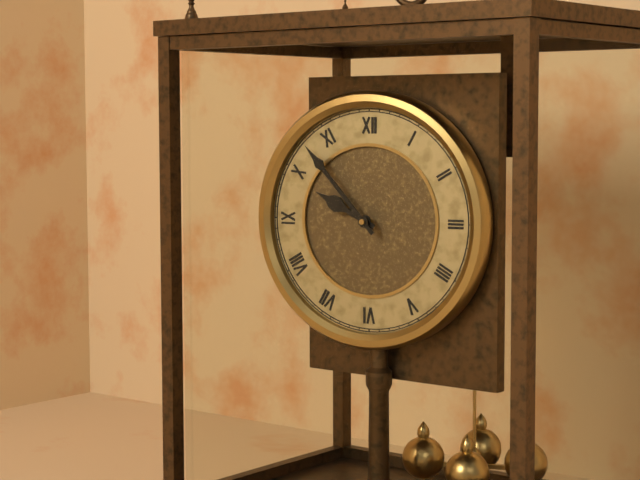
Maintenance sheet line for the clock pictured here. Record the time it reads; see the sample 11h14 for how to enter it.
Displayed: 9h53
